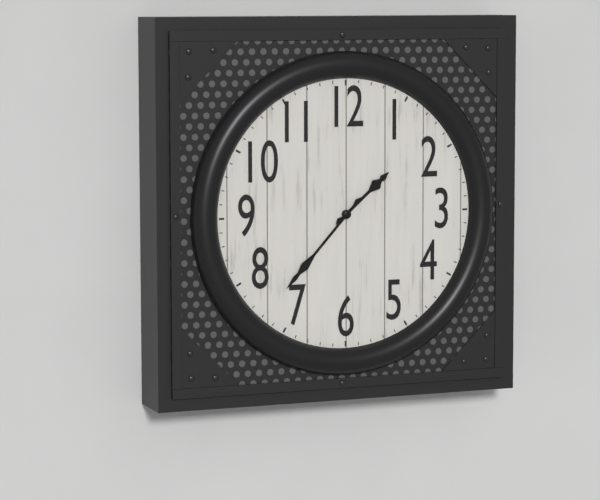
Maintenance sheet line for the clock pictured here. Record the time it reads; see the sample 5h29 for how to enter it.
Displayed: 1h37
